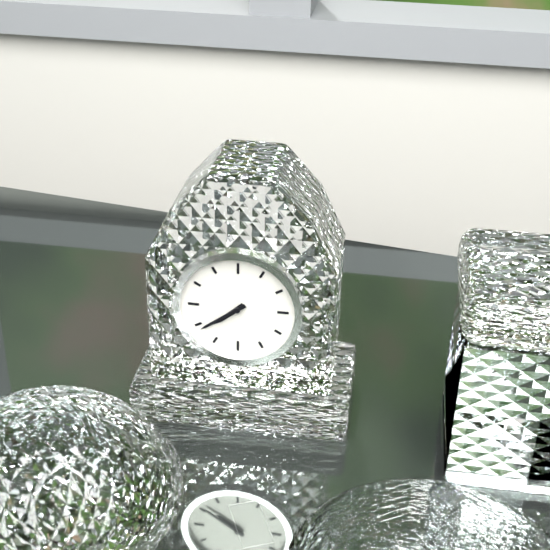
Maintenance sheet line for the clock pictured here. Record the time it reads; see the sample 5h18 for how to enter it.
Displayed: 7h39
